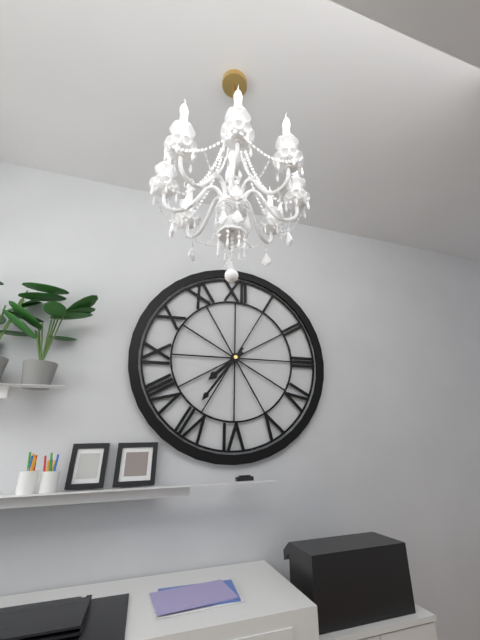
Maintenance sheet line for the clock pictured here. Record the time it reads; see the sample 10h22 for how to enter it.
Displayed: 7h36
